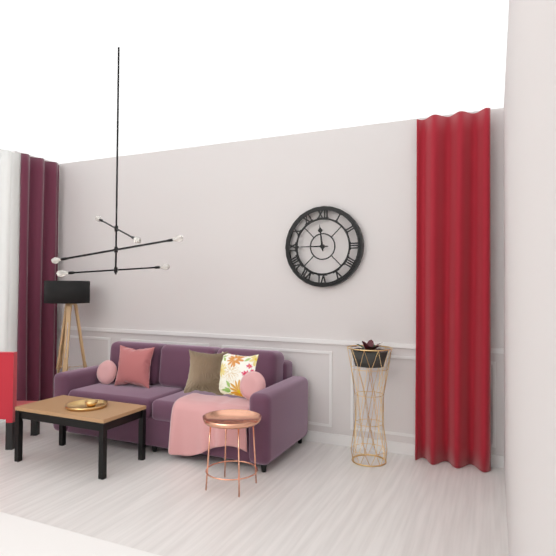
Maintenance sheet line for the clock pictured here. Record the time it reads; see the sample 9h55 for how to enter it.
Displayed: 11h45
